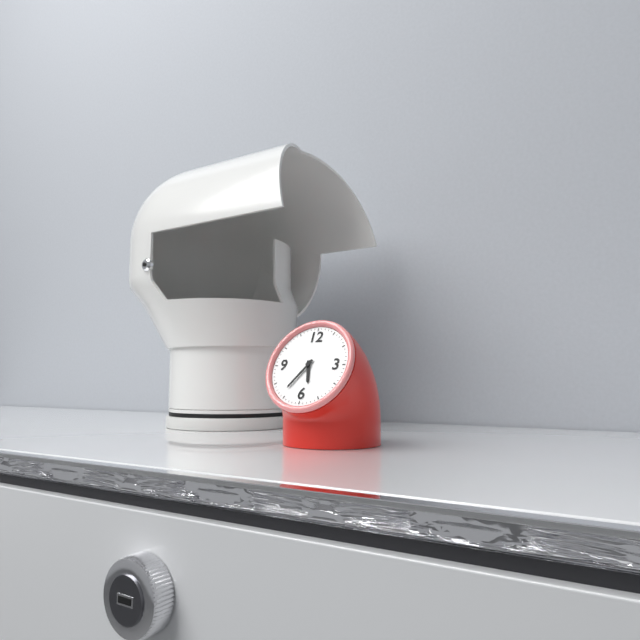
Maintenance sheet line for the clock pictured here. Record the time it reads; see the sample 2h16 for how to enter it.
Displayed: 5h36
